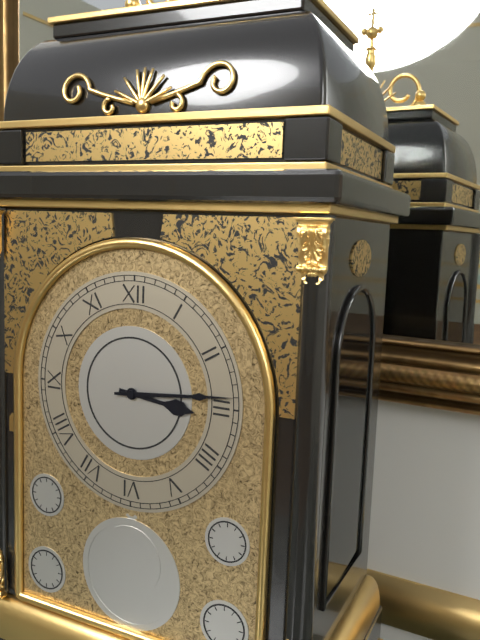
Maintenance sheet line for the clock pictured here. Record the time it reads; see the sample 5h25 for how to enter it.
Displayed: 3h14
